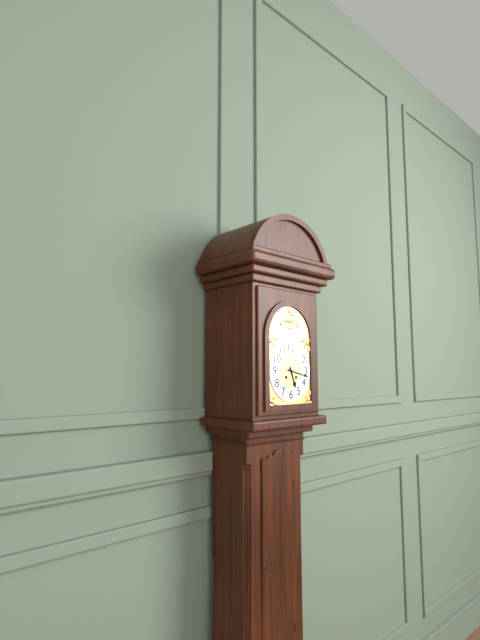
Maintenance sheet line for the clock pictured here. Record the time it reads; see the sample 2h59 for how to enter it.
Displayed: 5h17
